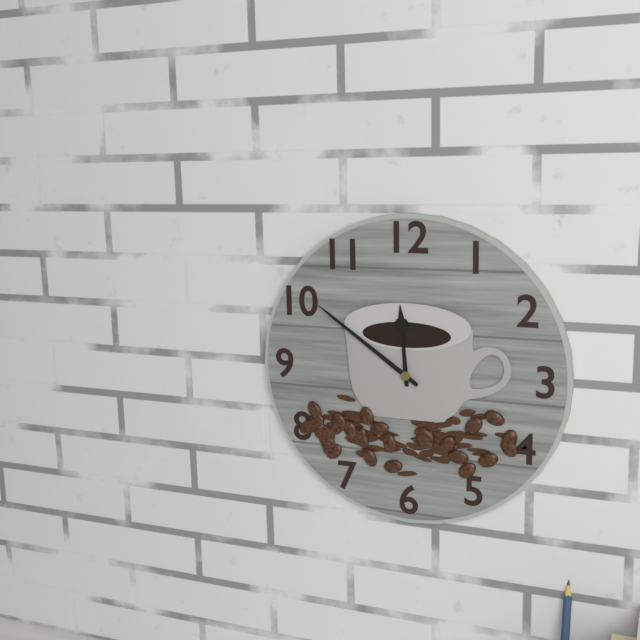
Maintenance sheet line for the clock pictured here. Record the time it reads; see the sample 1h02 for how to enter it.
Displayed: 11h51
